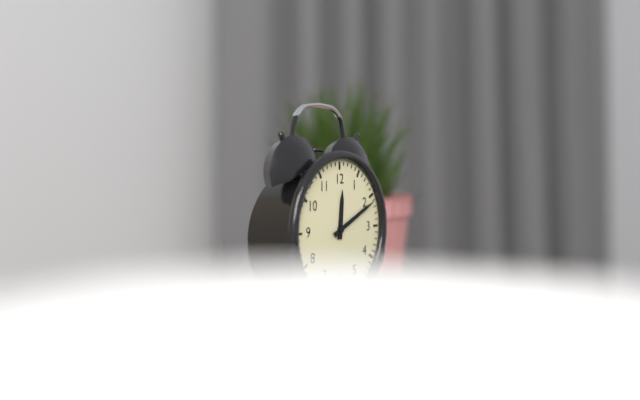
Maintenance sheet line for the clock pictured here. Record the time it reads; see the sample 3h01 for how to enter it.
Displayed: 12h11
